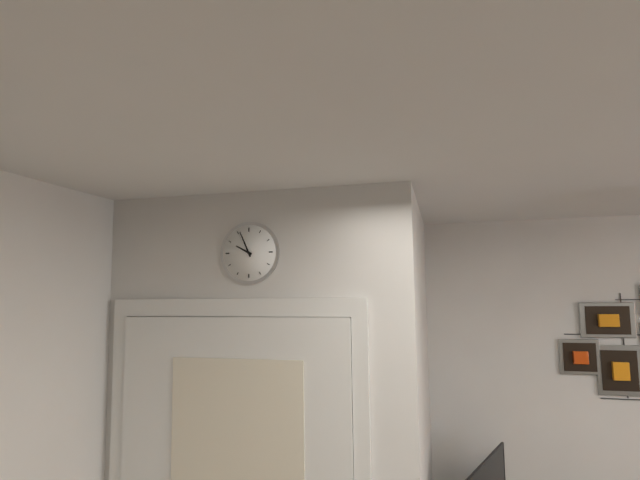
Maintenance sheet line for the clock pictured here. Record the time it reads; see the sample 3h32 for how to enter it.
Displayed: 9h56
